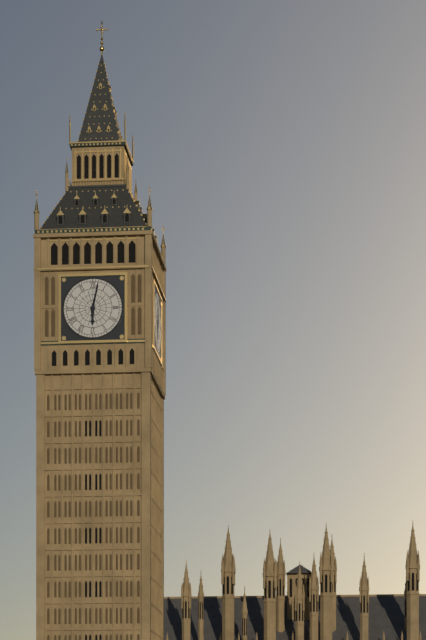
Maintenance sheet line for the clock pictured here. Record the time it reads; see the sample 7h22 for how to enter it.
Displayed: 6h02
